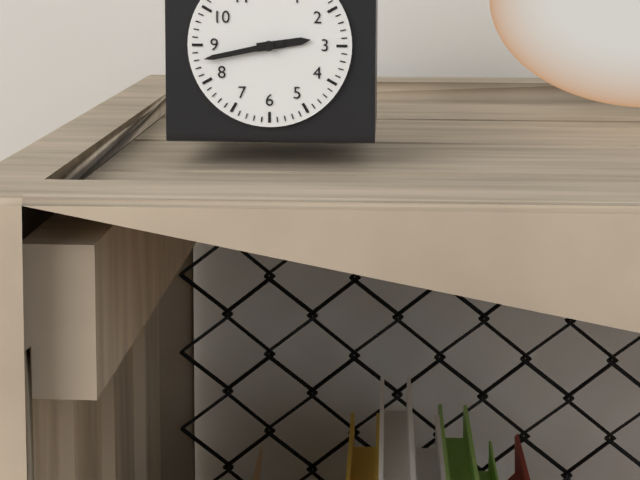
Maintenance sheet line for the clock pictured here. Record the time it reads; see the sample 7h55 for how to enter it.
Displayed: 2h43
